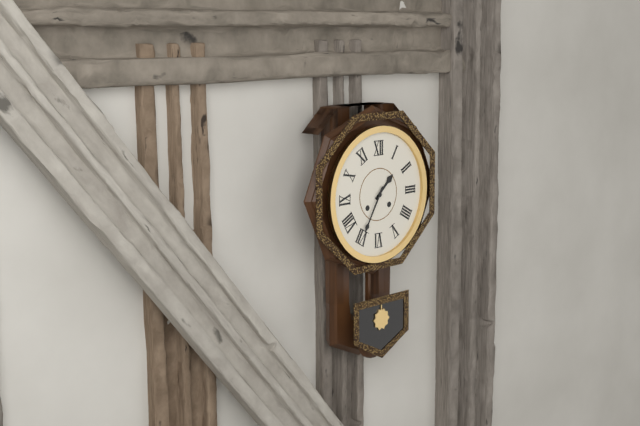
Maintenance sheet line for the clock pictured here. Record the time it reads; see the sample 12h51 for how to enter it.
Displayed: 1h35
